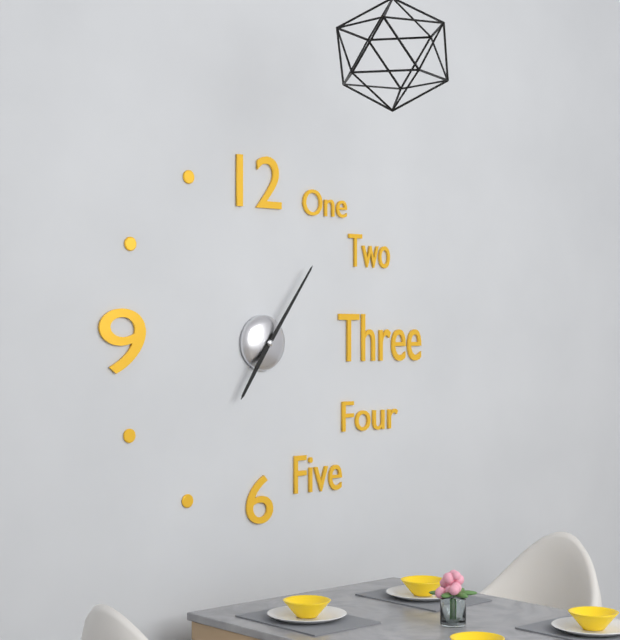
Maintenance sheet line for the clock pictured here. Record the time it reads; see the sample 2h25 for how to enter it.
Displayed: 7h06
